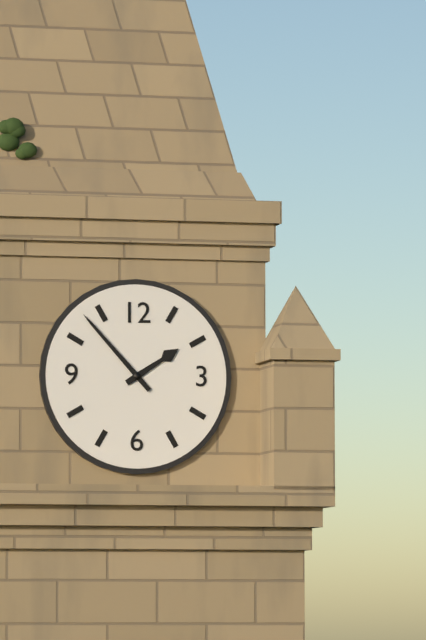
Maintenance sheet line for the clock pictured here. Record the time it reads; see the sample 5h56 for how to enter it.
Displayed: 1h53
